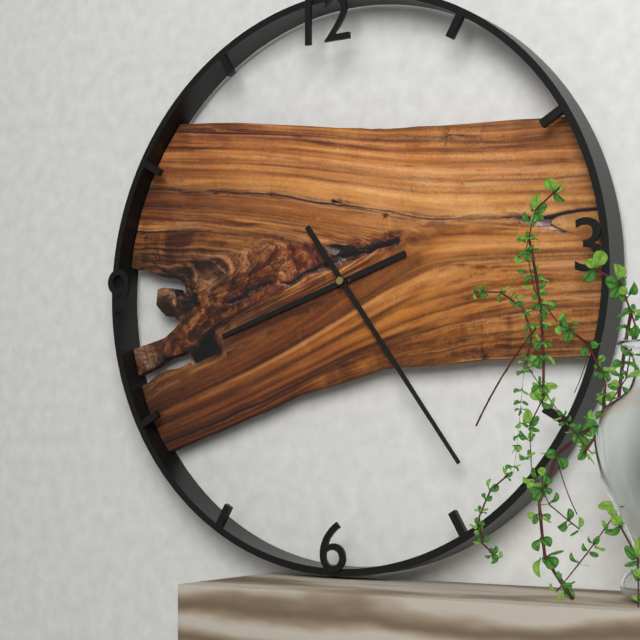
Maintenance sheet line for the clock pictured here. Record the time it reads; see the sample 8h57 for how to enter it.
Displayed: 8h24
